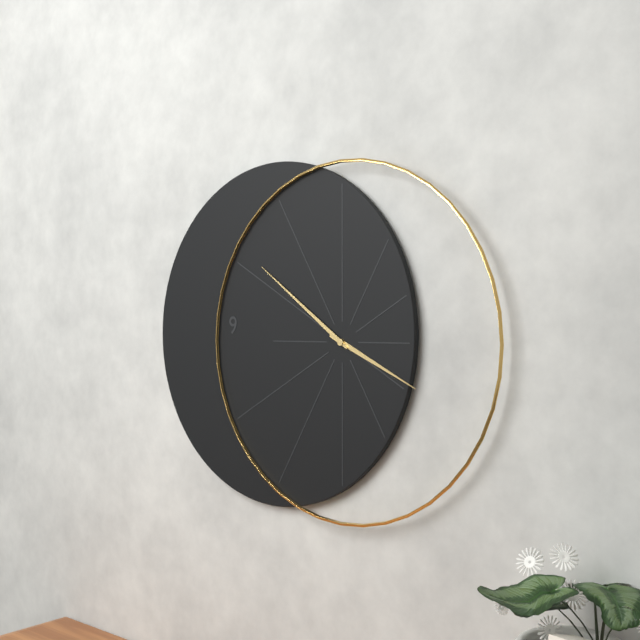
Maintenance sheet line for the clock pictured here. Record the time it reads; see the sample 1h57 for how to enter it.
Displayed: 3h51
